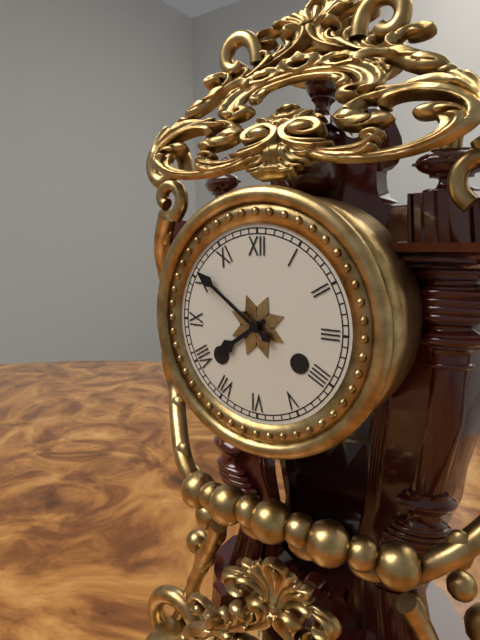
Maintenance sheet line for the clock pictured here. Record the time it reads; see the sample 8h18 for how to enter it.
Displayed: 7h51
